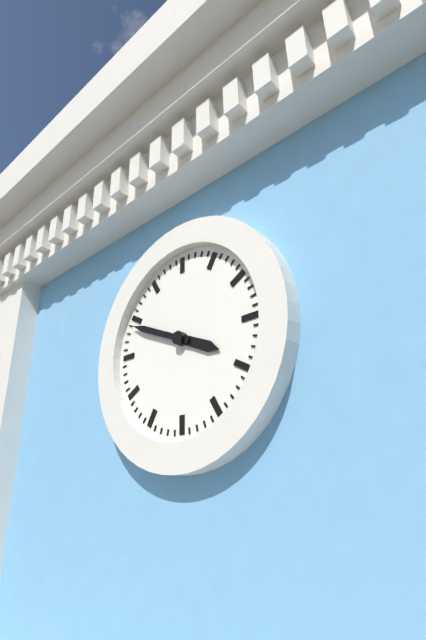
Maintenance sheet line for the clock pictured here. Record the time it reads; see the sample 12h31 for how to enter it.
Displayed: 3h49
